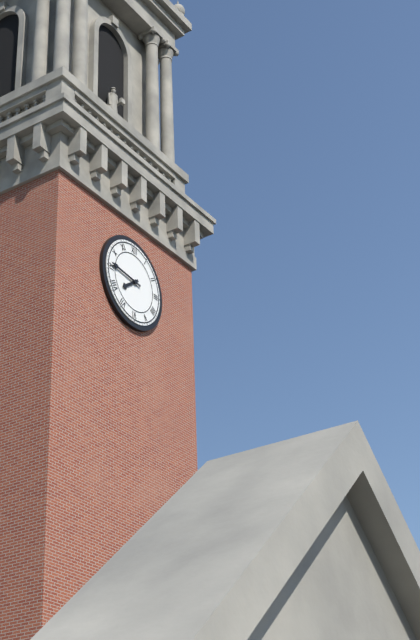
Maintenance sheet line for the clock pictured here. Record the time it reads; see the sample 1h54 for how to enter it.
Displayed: 7h46
